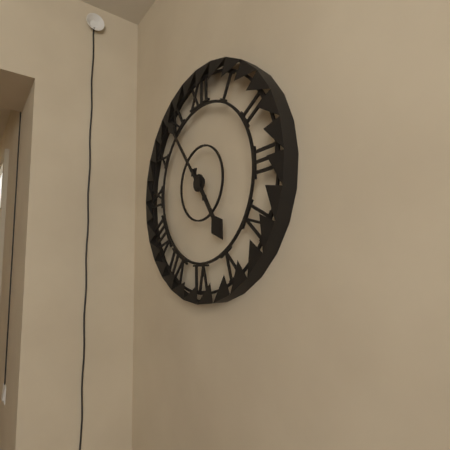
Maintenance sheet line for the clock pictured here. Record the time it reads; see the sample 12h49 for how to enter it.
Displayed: 4h54
